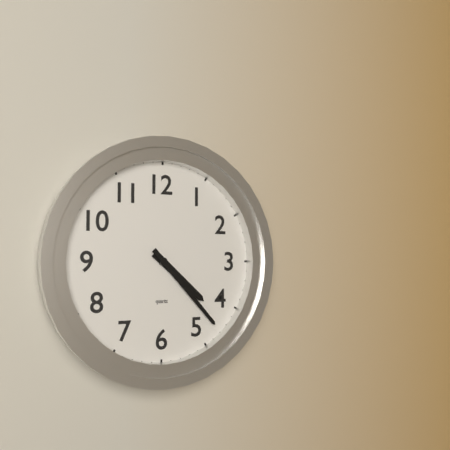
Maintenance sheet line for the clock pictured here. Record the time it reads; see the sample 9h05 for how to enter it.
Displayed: 4h23
